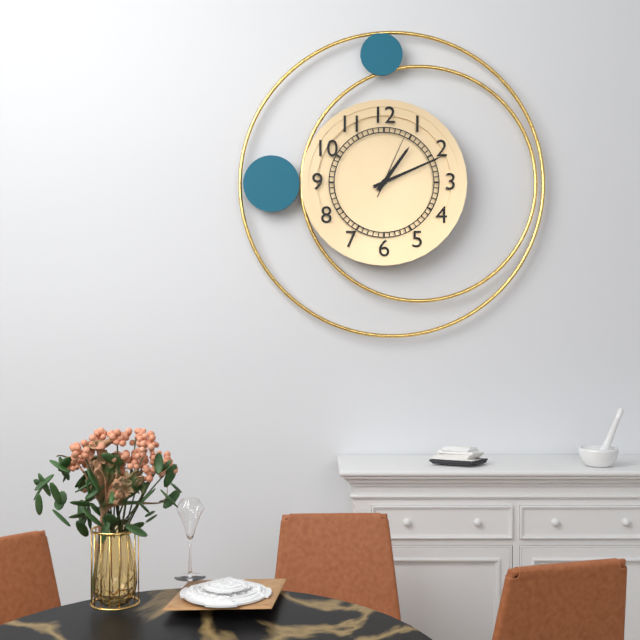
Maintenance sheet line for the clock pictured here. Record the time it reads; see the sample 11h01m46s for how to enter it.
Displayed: 1h11m04s
